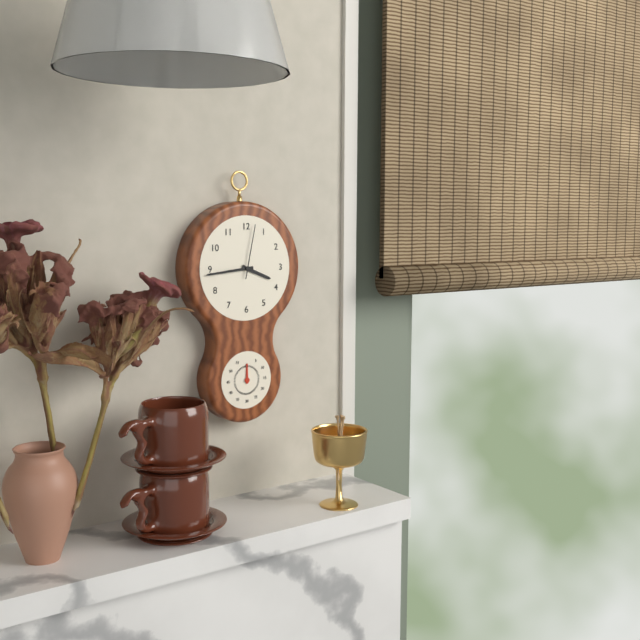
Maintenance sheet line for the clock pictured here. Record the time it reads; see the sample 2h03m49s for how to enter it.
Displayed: 3h44m02s
